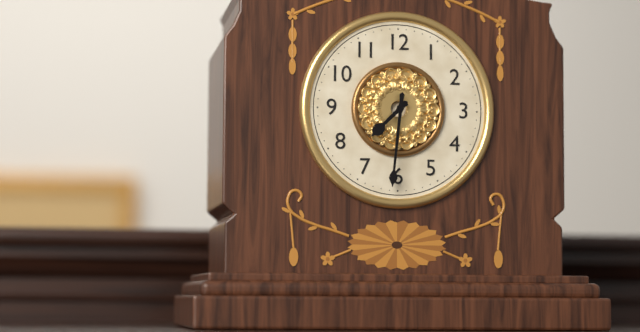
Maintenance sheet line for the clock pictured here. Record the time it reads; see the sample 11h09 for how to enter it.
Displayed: 7h31
